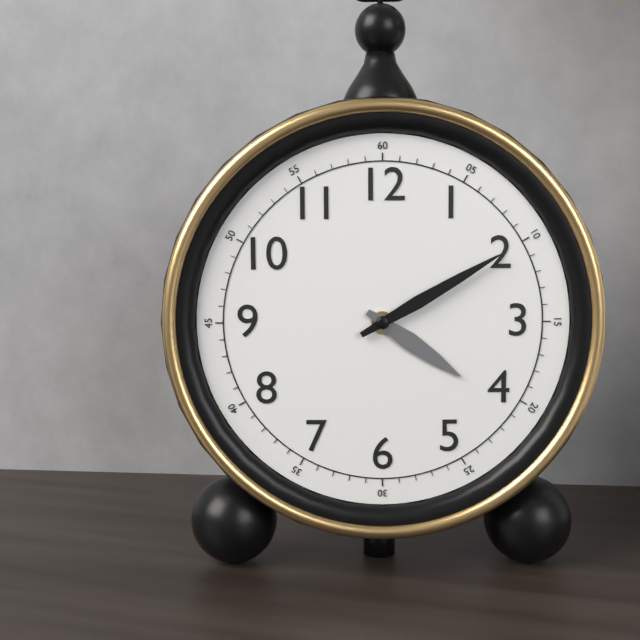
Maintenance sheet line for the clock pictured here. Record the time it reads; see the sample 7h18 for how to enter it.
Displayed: 4h10
